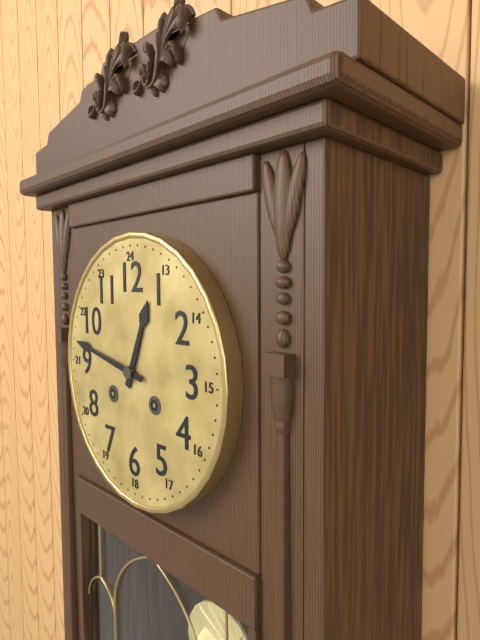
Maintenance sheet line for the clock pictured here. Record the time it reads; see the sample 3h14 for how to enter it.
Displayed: 12h47
